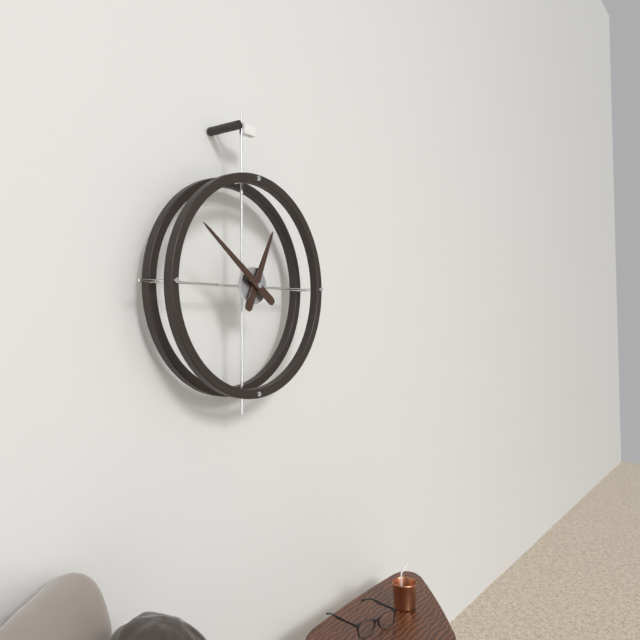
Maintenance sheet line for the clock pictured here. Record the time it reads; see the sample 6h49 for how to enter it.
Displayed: 12h51
